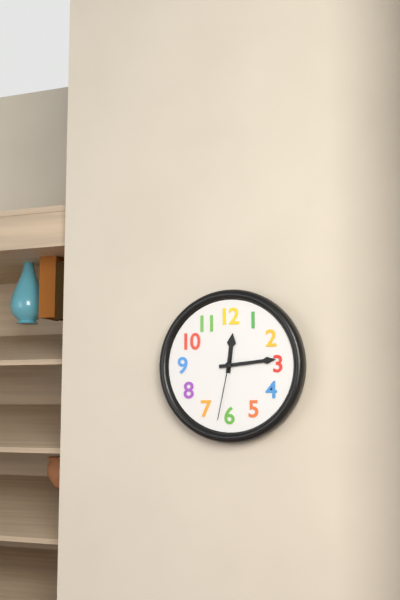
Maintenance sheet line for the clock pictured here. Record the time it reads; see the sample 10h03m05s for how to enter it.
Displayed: 12h14m32s
